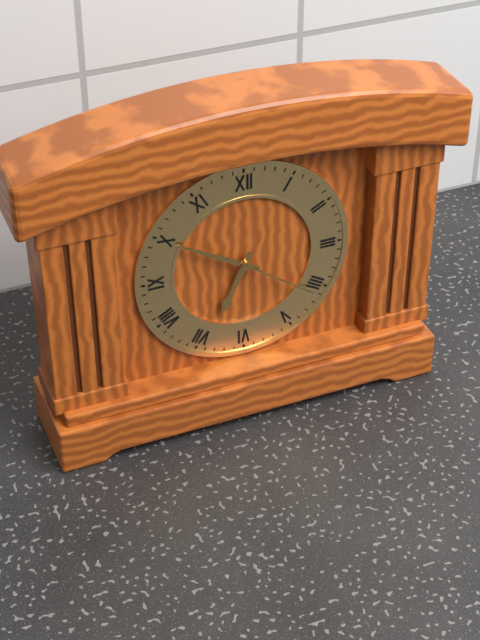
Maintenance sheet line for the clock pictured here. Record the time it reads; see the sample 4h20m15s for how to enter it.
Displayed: 6h50m21s
